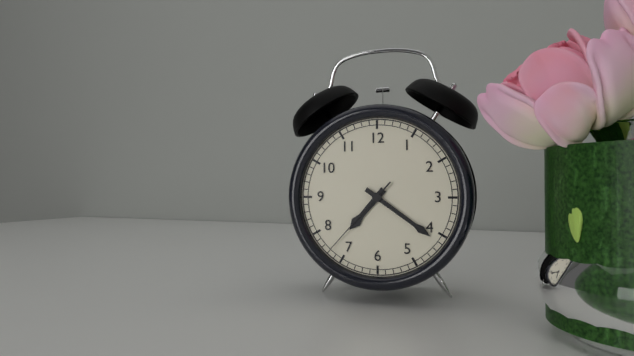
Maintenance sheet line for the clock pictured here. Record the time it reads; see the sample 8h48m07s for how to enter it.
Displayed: 7h21m37s
